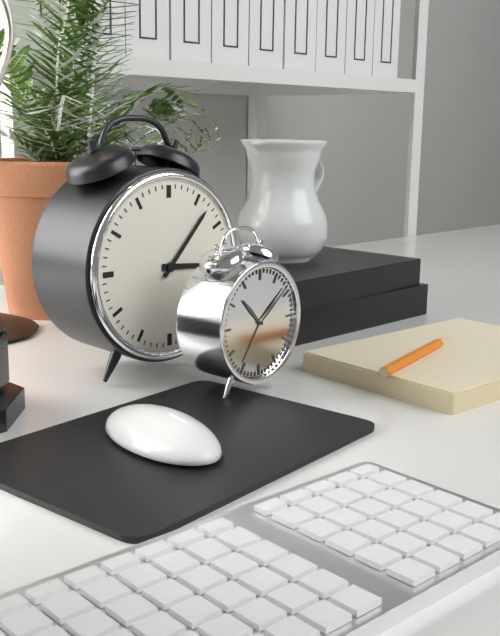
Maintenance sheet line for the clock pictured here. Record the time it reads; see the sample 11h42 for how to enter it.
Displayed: 3h07
